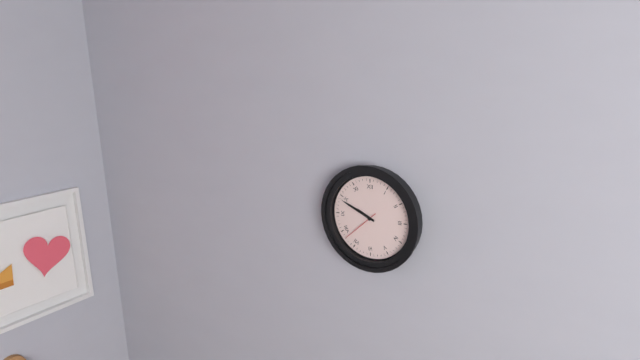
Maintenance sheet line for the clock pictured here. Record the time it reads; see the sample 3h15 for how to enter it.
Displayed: 9h49
